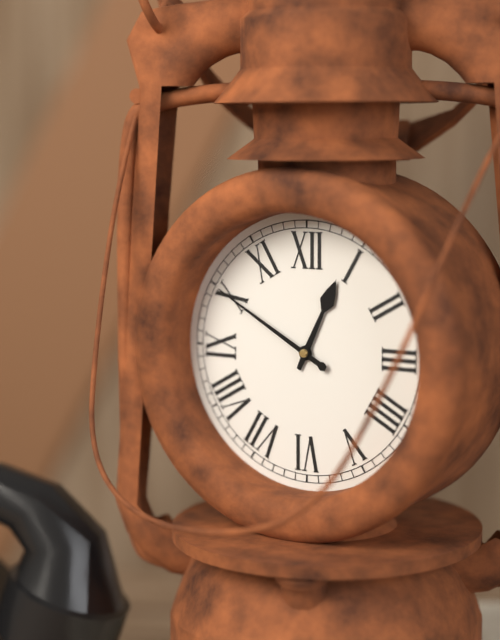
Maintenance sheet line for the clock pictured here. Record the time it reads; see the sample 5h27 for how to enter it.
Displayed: 12h50
